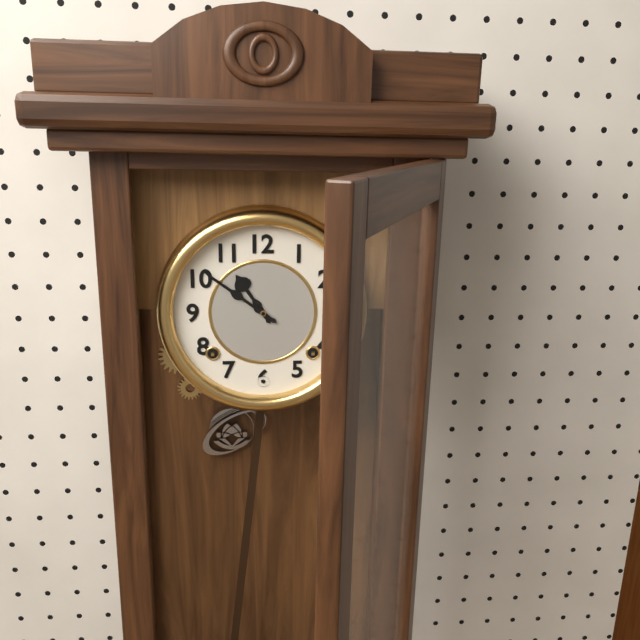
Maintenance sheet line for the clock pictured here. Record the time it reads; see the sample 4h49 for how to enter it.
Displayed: 10h51
